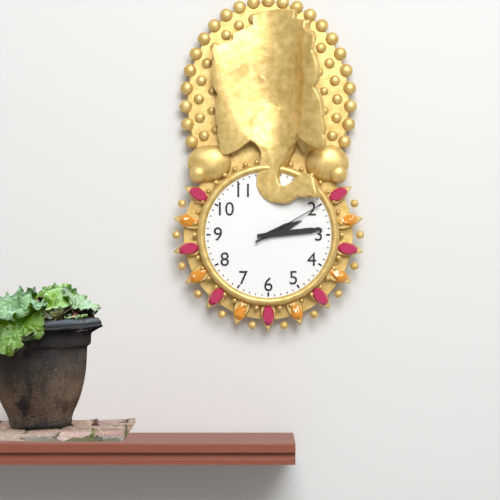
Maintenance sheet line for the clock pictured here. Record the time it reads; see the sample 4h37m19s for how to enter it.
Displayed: 2h14m10s
